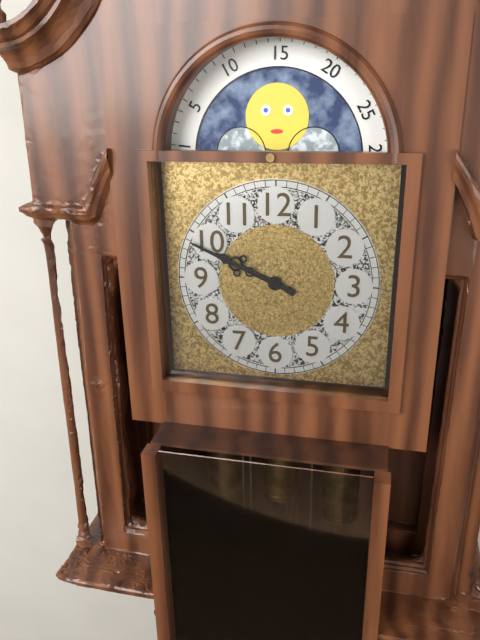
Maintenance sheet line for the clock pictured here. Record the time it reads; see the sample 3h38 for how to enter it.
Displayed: 9h49
